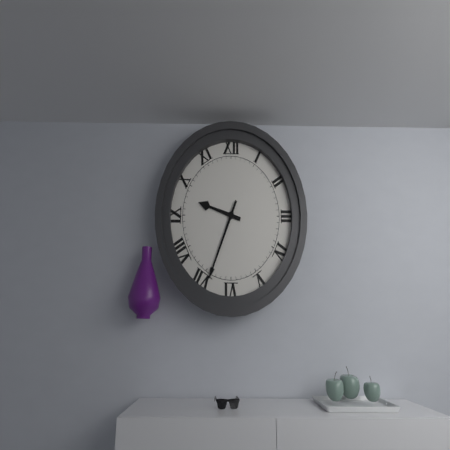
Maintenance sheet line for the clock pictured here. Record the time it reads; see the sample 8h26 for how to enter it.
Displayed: 9h34
